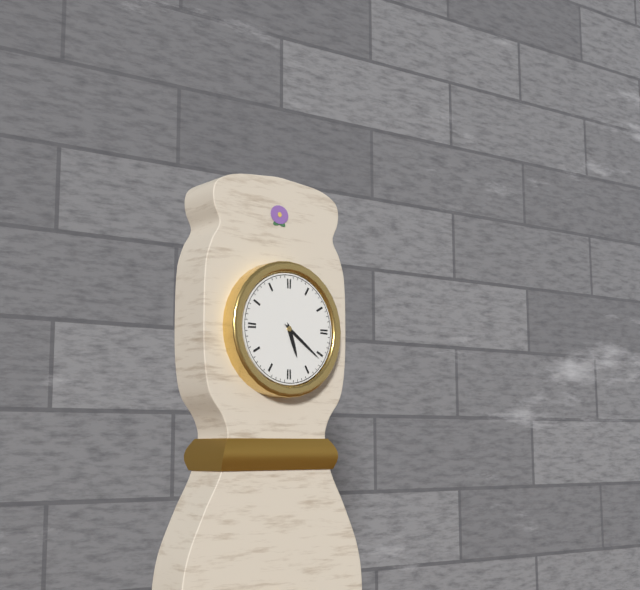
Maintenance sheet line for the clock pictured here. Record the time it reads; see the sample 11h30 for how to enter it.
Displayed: 5h21
